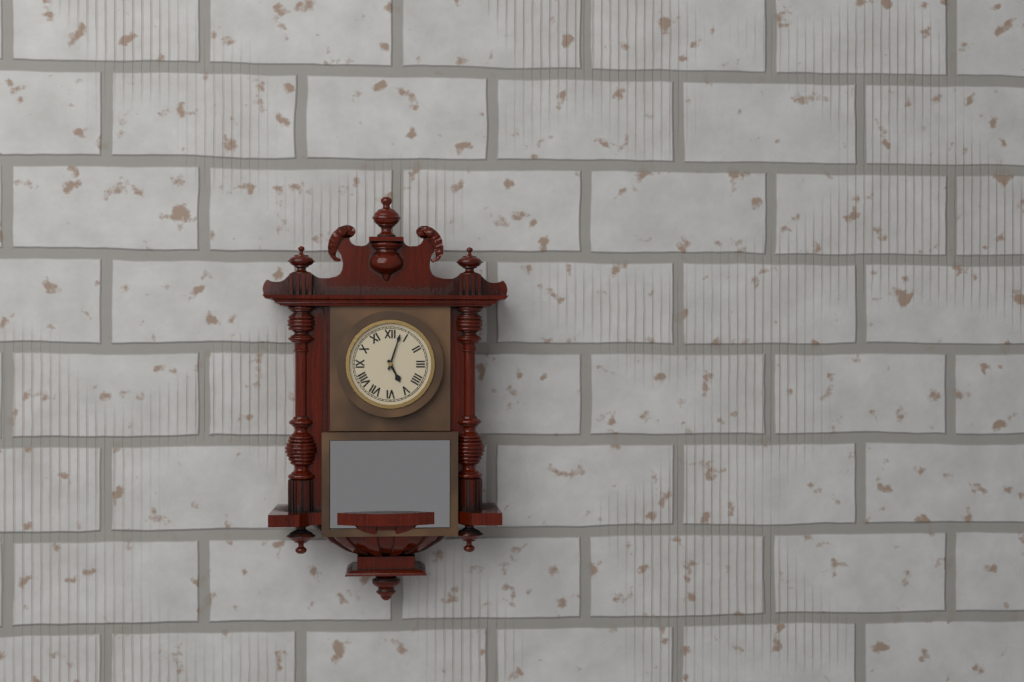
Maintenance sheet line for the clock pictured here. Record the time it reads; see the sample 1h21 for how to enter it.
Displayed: 5h03
